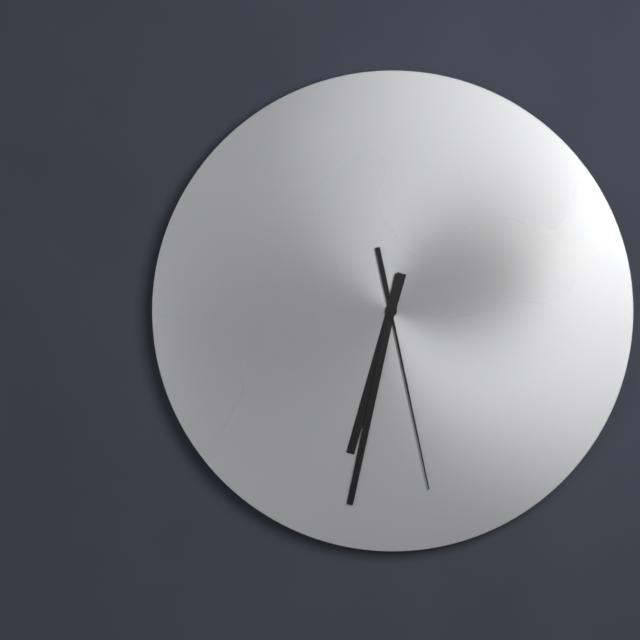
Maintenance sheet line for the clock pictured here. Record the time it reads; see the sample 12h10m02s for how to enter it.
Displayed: 6h32m28s
